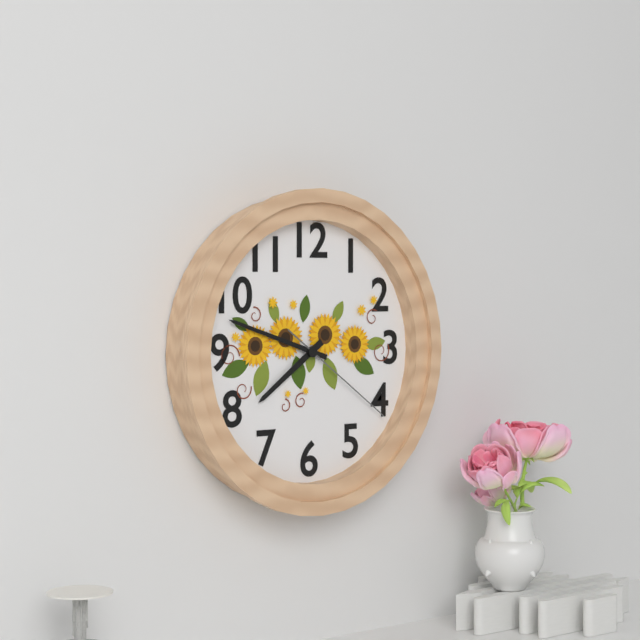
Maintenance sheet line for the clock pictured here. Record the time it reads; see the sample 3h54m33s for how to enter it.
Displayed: 7h48m21s
